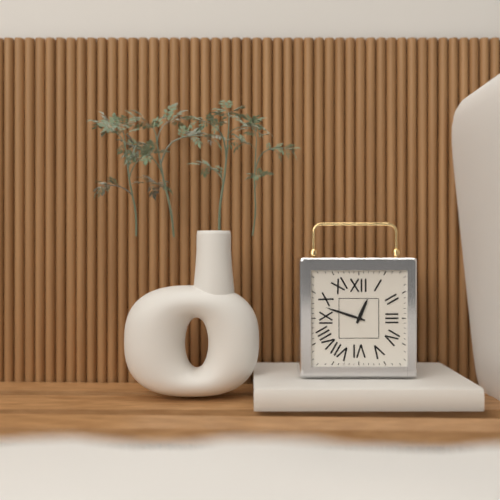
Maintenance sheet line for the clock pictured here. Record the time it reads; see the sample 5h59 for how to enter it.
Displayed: 12h48
